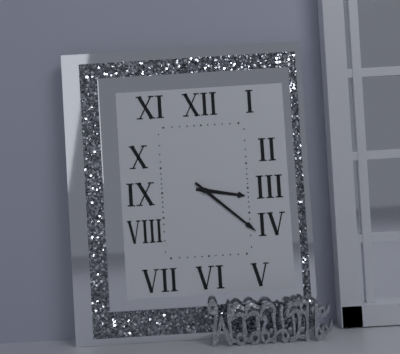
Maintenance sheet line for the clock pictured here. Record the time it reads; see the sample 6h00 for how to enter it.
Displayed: 3h22
